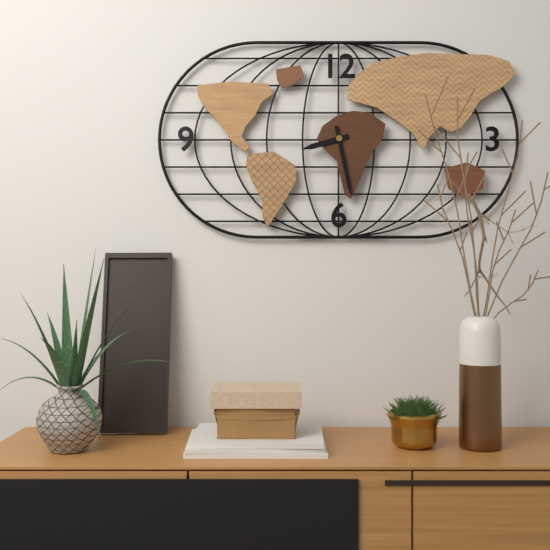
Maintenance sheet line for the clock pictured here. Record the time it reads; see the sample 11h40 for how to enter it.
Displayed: 8h28
